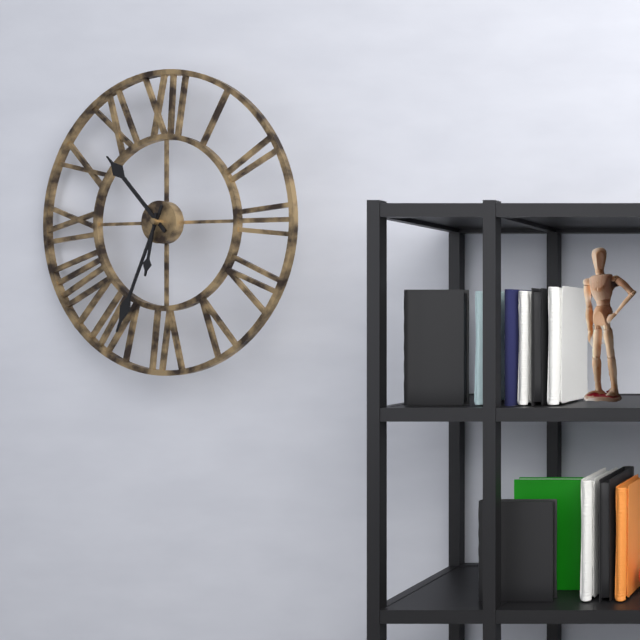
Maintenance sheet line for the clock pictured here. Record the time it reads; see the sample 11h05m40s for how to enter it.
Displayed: 10h34m32s
